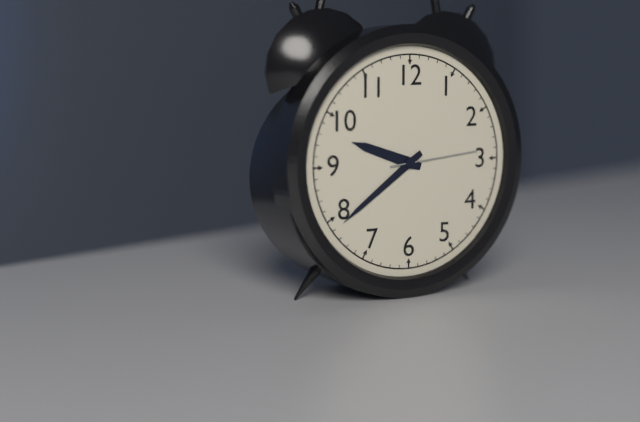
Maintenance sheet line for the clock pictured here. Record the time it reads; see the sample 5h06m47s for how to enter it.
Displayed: 9h39m14s
